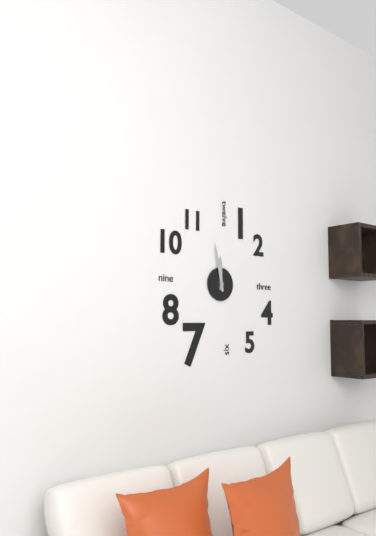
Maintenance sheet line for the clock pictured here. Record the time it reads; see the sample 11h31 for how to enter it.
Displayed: 11h58
